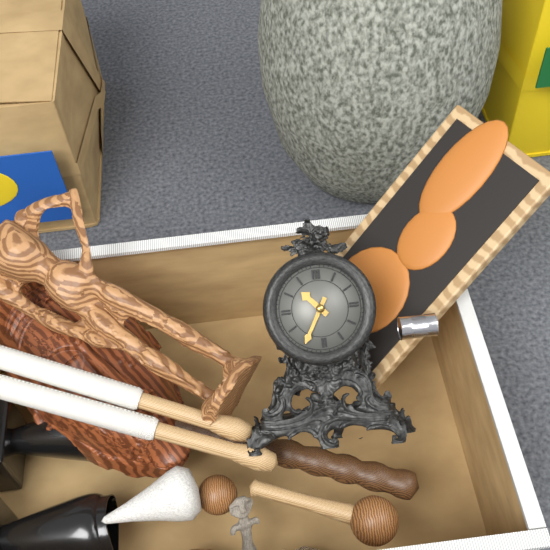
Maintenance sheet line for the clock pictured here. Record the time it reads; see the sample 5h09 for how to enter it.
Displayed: 10h35
